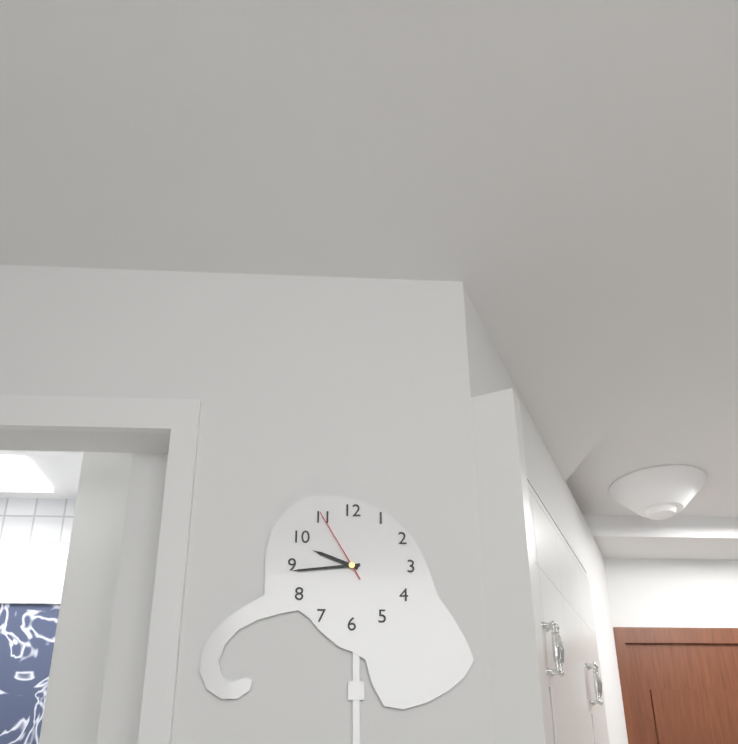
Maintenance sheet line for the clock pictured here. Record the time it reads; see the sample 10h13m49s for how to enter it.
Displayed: 9h44m55s
